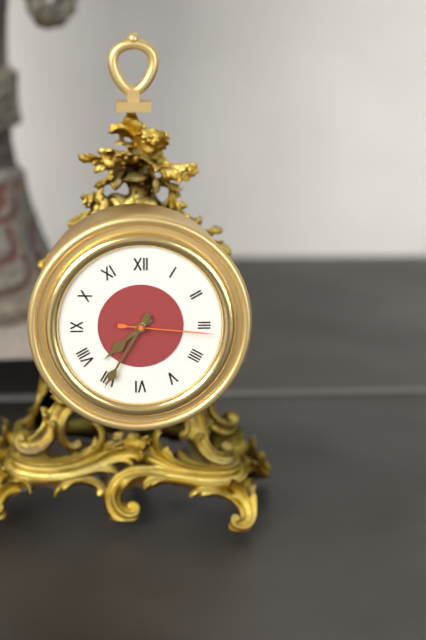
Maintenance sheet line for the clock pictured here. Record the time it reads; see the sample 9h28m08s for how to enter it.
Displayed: 7h35m16s
